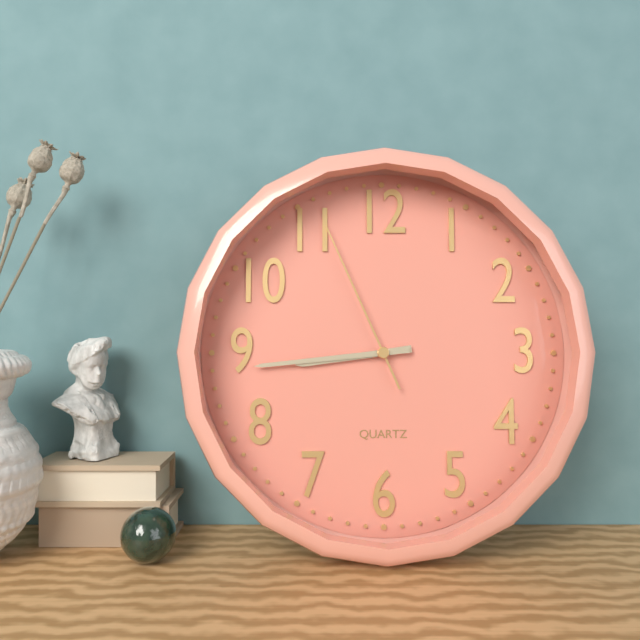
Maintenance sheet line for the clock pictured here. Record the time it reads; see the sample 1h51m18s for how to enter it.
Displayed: 8h44m56s
